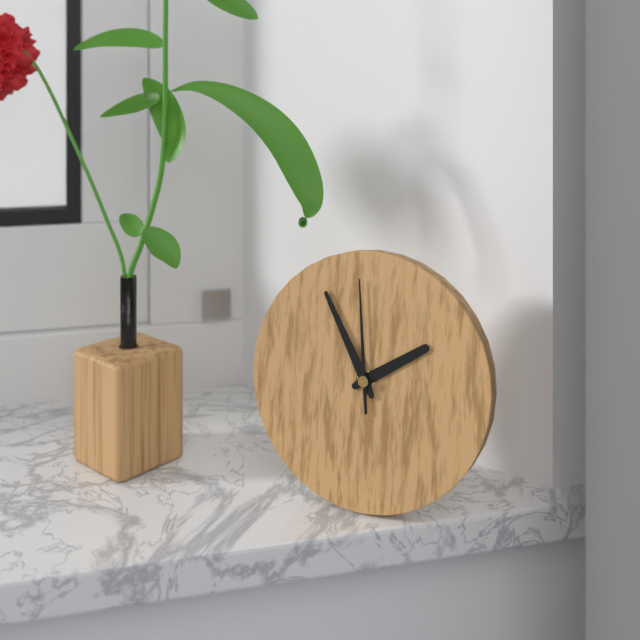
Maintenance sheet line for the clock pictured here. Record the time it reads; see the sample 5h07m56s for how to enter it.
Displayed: 1h55m59s
